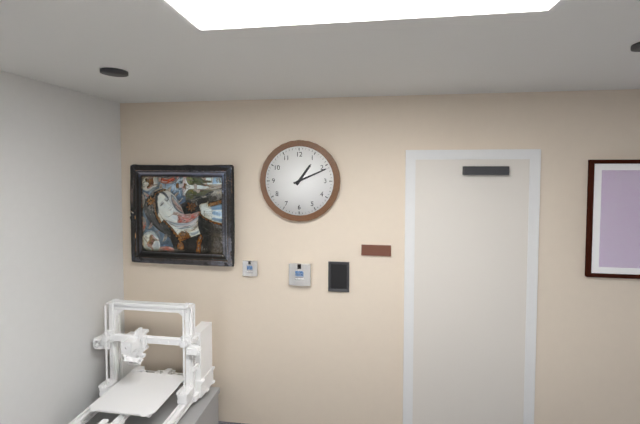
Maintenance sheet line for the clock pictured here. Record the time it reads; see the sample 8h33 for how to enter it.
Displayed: 1h11
